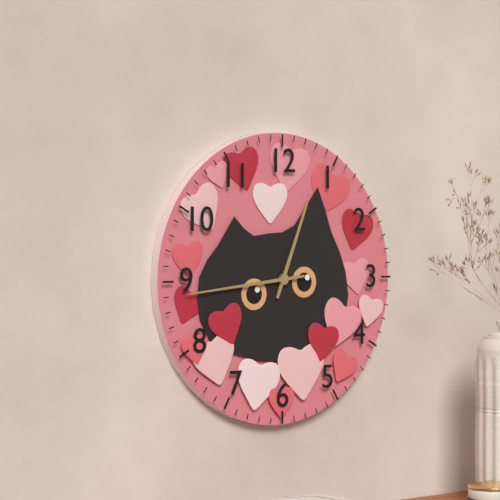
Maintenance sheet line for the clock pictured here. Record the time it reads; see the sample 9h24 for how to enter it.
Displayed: 12h44
